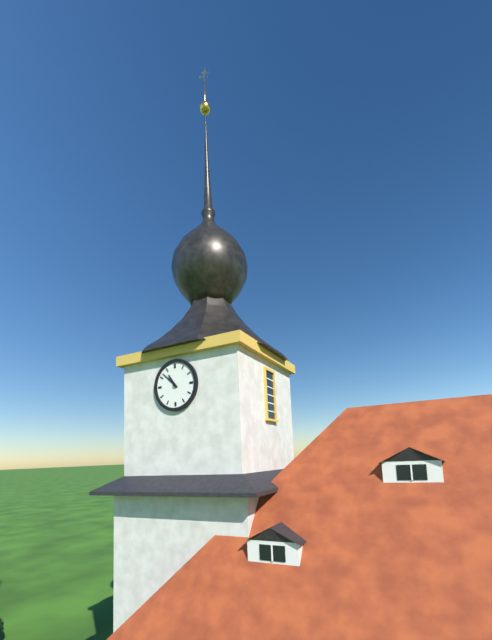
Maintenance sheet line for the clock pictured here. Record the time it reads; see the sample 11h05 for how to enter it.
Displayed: 10h52
